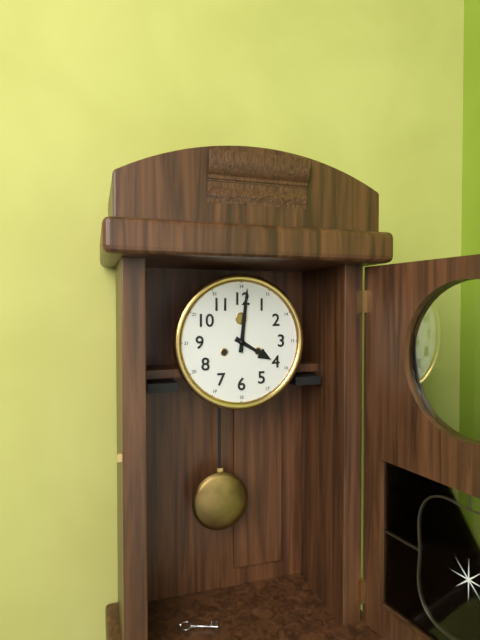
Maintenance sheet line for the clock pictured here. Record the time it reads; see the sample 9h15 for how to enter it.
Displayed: 4h01
